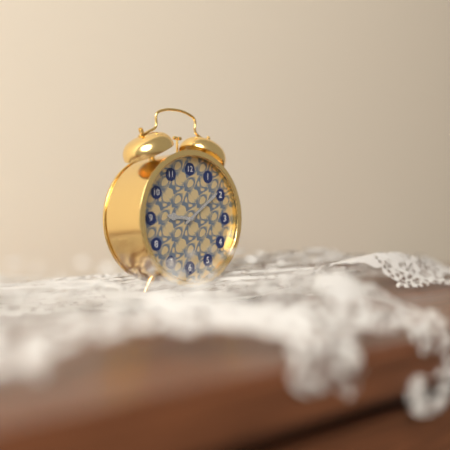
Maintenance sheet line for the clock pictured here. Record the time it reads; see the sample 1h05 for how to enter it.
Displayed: 9h09
